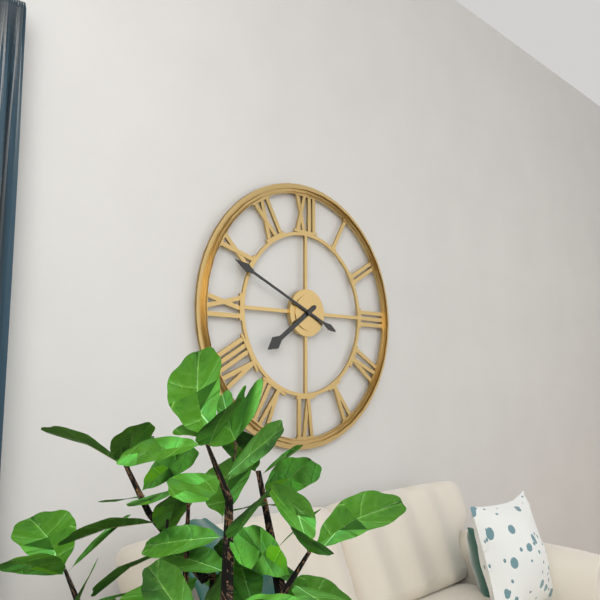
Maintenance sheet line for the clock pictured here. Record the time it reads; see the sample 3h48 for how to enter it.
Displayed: 7h49
